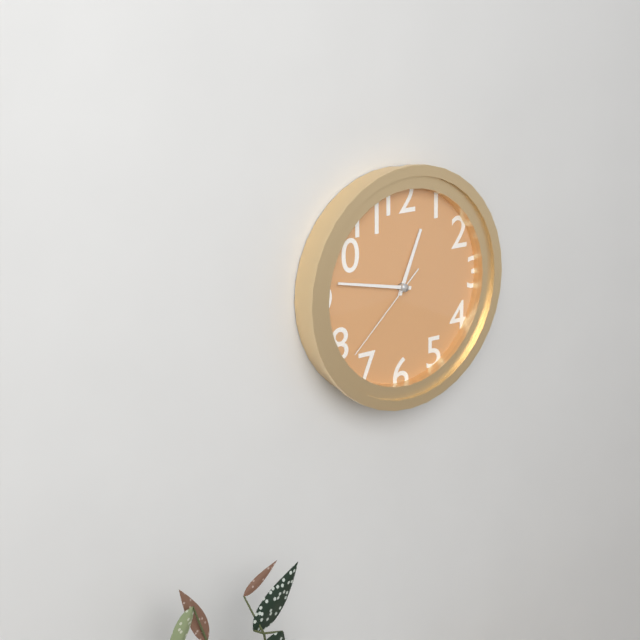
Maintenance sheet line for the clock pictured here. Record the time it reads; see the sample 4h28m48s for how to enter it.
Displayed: 12h47m38s
